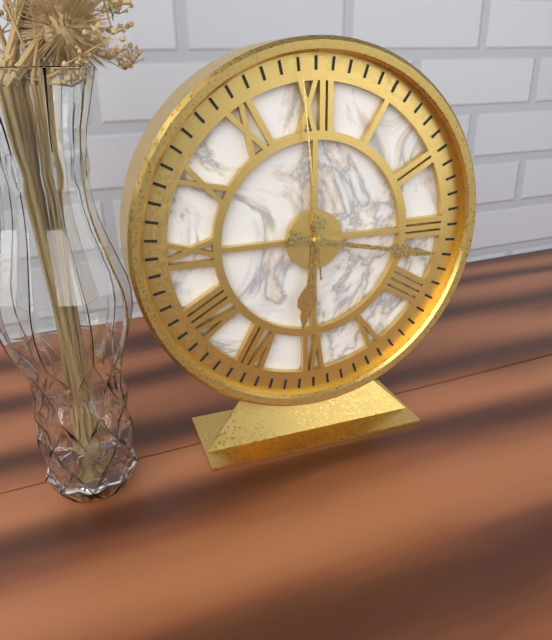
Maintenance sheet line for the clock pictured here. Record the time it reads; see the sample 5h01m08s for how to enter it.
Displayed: 6h17m59s
